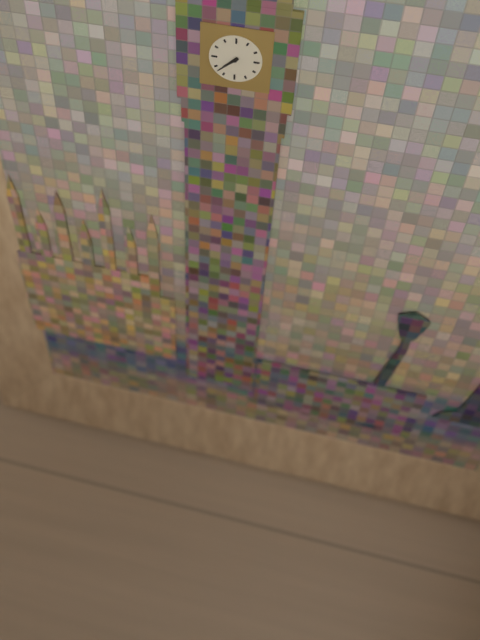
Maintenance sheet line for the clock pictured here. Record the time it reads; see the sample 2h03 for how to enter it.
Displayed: 7h38
